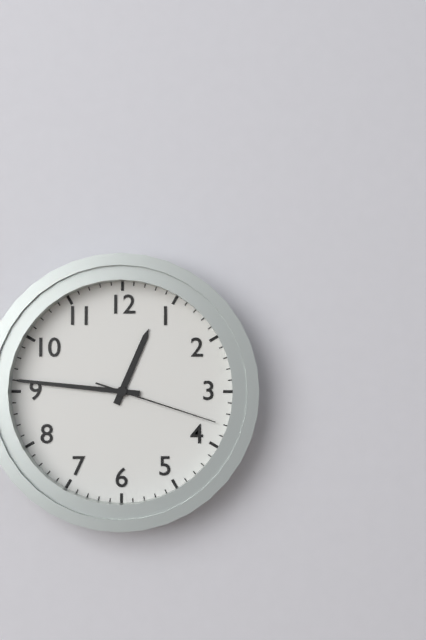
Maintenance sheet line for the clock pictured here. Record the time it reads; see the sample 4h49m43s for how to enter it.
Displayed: 12h46m18s
